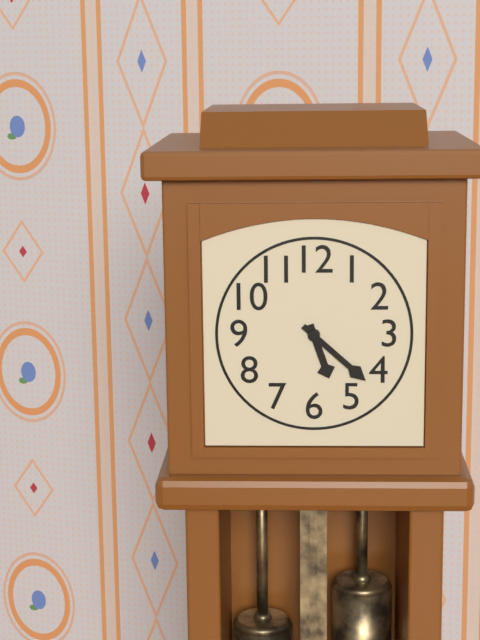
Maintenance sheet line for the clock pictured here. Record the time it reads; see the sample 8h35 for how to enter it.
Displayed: 5h22
